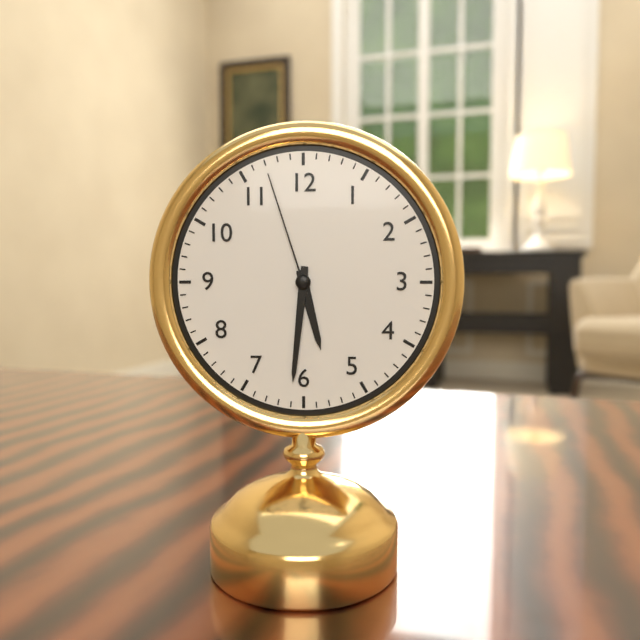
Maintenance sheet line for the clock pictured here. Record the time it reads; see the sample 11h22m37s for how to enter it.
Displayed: 5h31m57s
